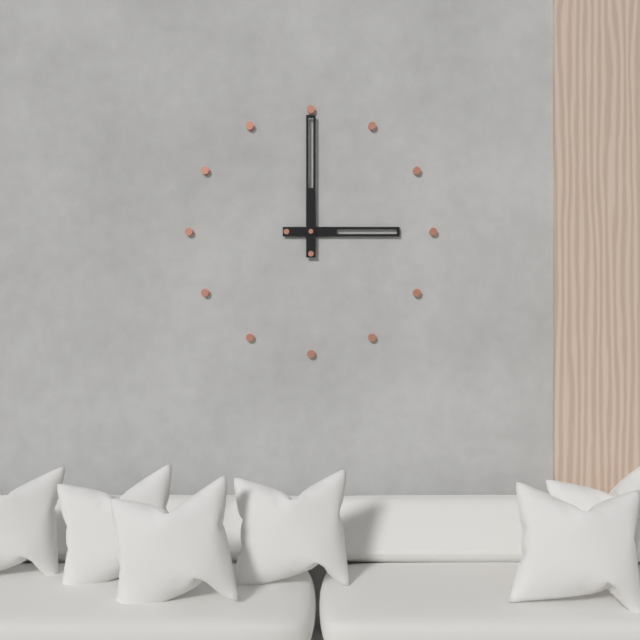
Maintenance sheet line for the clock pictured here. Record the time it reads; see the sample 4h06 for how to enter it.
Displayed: 3h00
